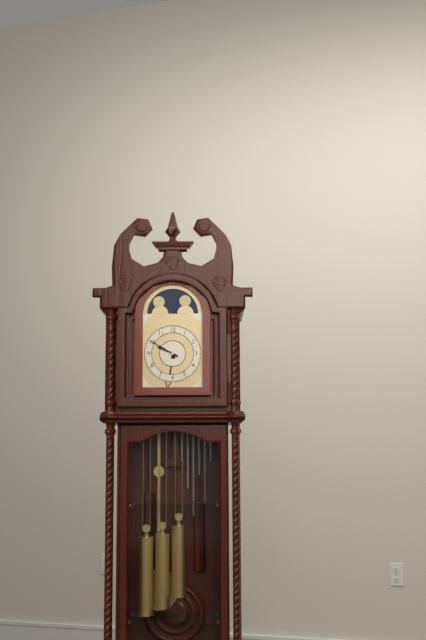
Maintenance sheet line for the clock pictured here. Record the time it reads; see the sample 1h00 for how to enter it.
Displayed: 9h50
